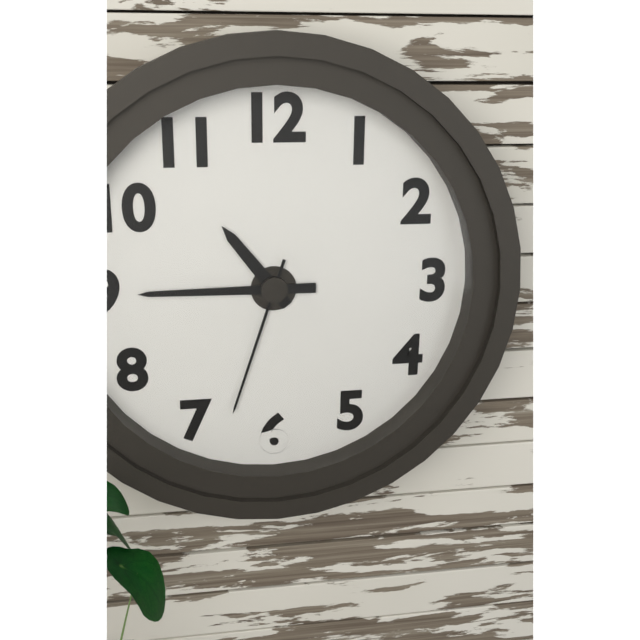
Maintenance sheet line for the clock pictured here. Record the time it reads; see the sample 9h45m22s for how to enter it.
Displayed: 10h45m33s
